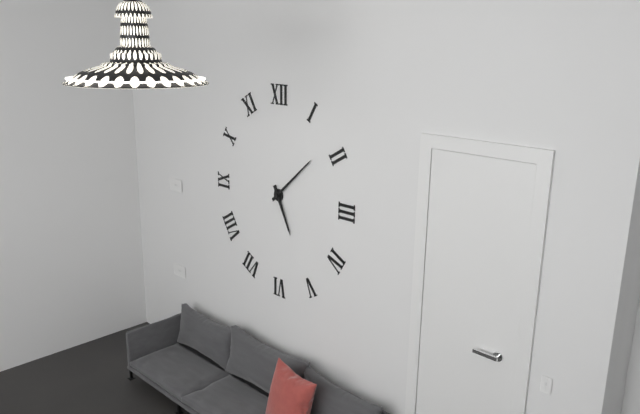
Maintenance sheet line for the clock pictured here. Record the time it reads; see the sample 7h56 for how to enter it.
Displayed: 5h08
